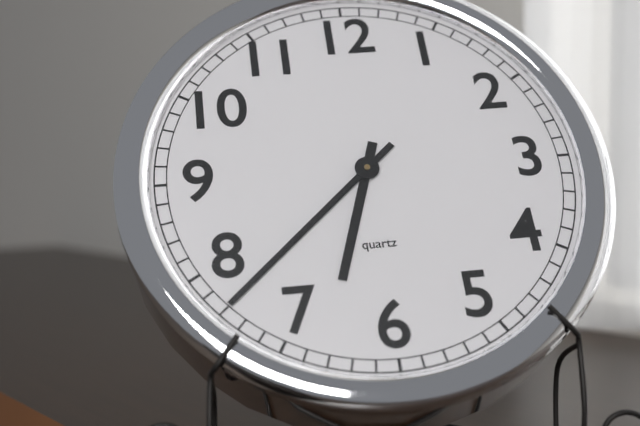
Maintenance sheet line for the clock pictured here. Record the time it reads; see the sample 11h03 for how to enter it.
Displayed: 6h38
